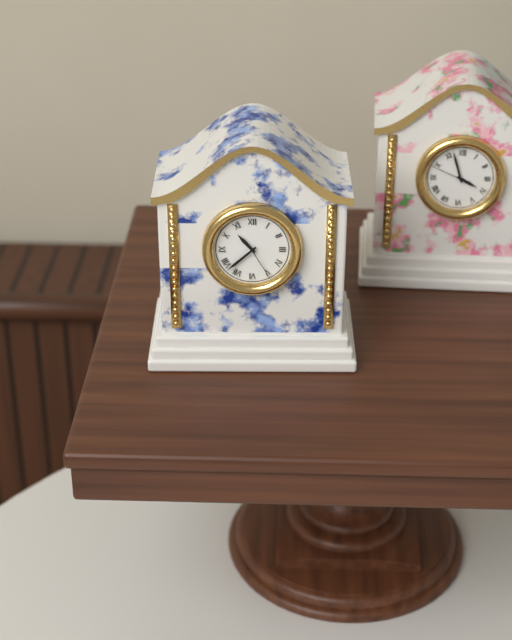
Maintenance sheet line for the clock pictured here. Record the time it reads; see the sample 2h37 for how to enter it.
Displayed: 10h38
